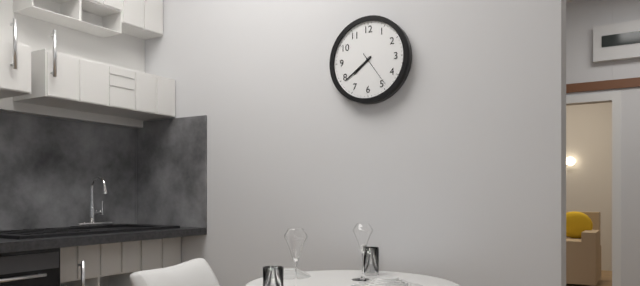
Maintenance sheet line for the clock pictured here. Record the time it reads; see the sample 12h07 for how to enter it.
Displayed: 7h39
